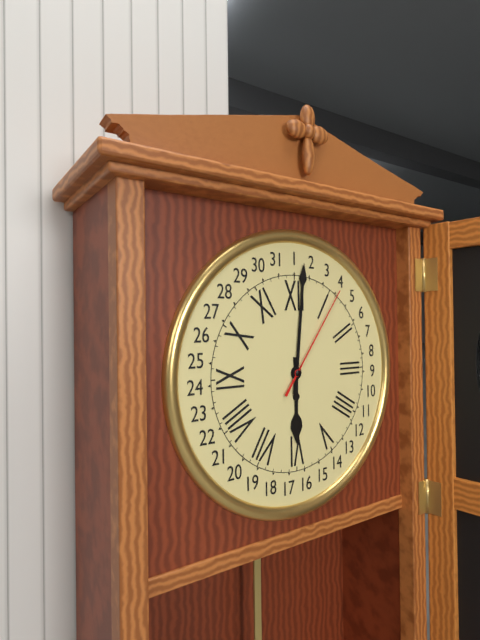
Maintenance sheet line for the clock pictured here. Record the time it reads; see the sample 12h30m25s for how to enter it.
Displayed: 6h01m06s
